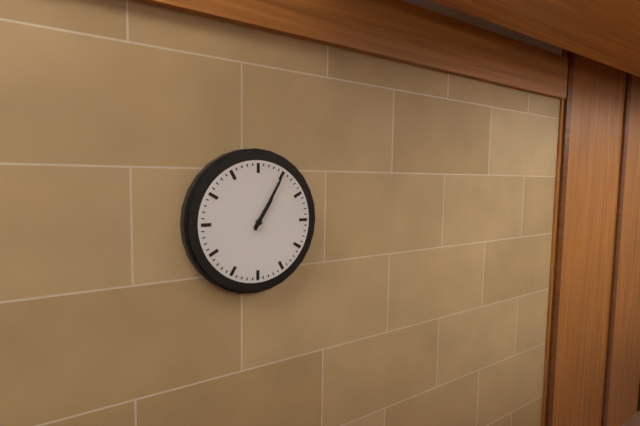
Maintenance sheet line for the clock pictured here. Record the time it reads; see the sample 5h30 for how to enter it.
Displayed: 1h05
